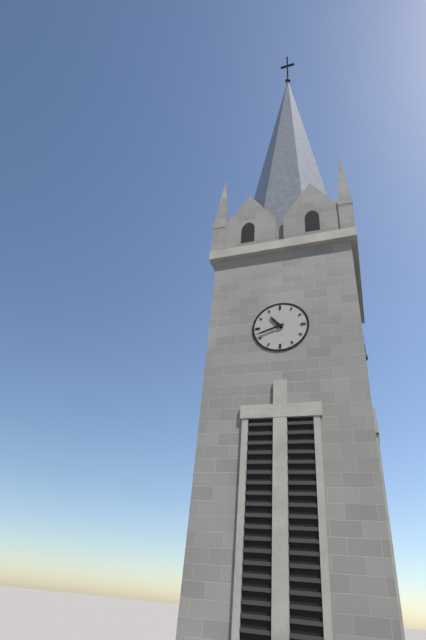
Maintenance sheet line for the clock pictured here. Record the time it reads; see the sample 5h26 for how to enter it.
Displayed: 10h42
